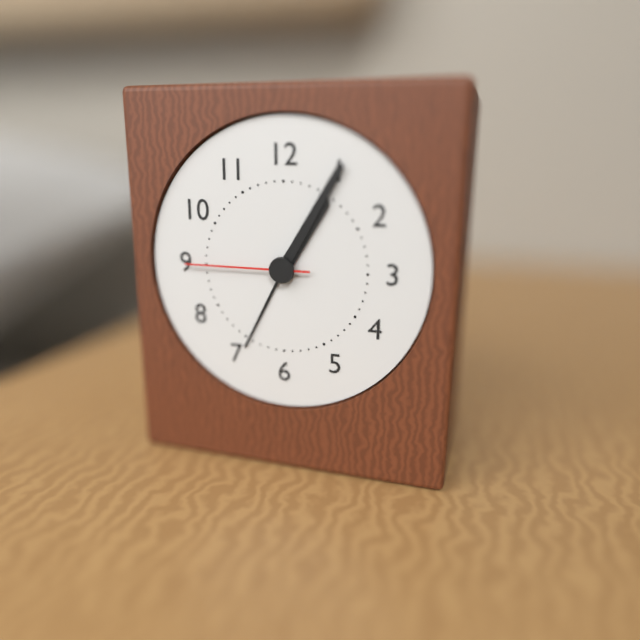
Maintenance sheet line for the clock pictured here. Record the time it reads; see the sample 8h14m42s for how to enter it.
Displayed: 1h05m45s
